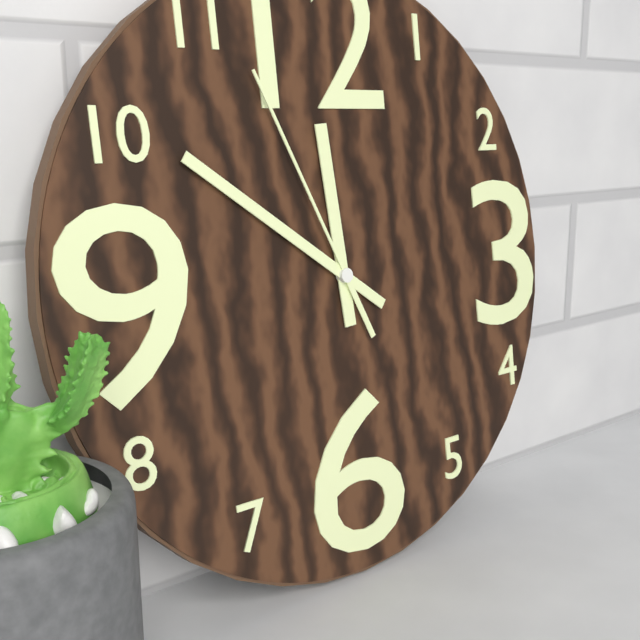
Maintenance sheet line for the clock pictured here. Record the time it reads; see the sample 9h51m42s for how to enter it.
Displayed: 11h51m56s
